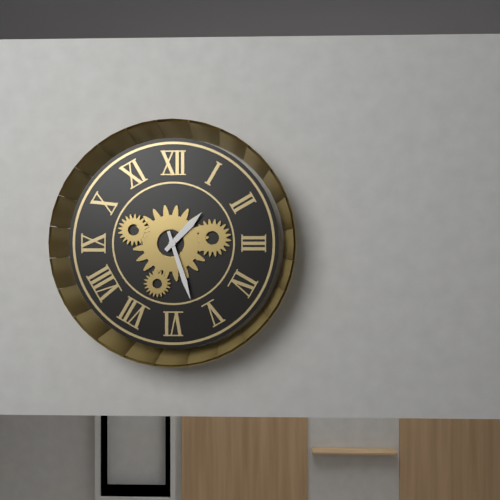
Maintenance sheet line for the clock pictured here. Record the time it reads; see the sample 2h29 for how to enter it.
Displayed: 1h27
